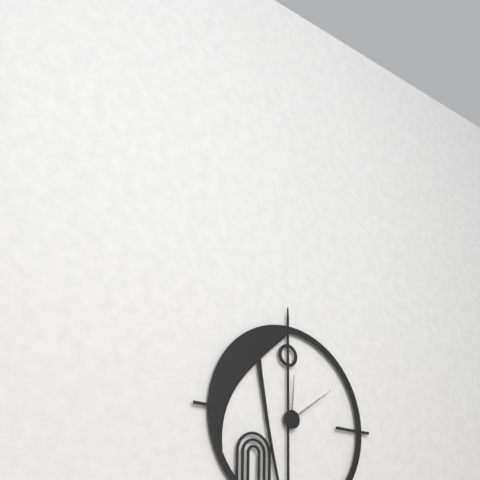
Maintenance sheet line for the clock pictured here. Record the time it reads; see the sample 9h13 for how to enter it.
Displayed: 12h09
